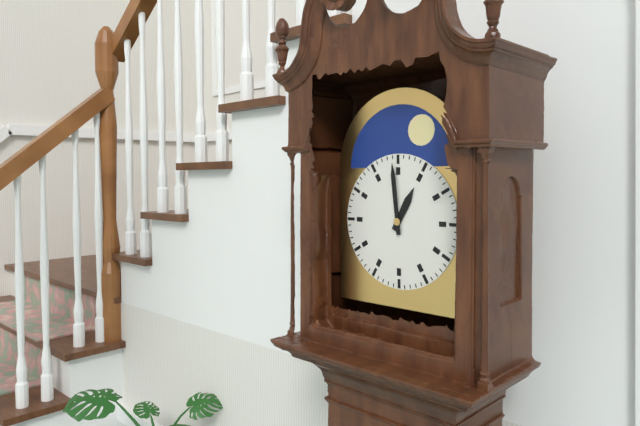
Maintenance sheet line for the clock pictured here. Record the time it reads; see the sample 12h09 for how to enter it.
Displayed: 12h59
